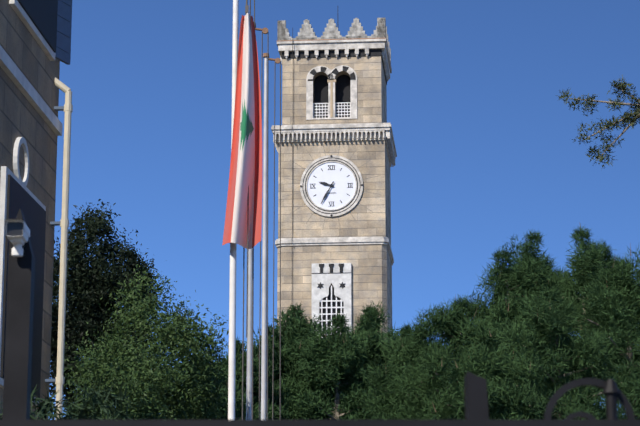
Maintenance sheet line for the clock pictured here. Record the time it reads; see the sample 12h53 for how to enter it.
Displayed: 9h35
